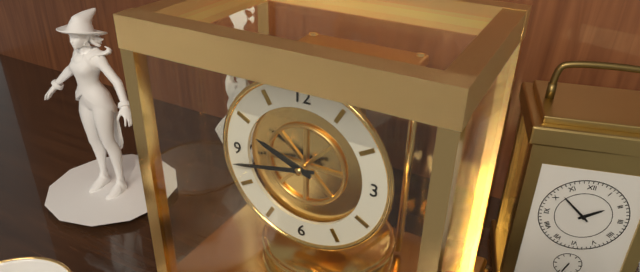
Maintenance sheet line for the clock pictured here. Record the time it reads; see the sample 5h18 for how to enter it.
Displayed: 9h43
